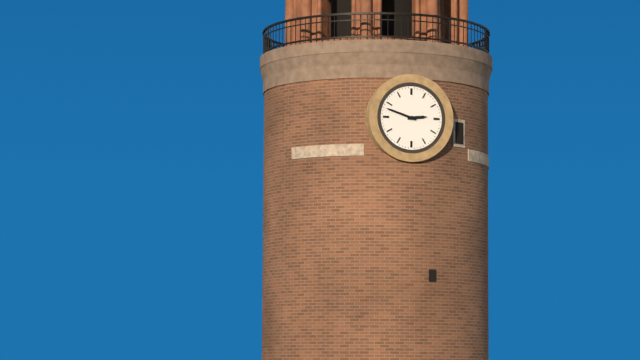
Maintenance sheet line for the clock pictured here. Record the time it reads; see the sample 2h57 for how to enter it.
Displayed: 2h48
